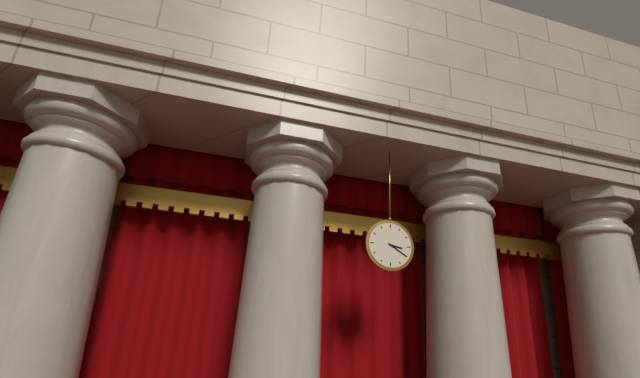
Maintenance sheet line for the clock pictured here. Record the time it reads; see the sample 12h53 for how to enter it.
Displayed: 3h20
